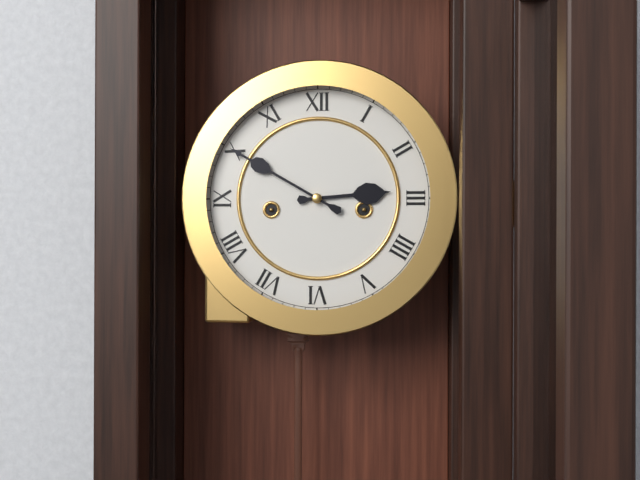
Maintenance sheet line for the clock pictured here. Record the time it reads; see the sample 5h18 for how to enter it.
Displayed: 2h50
